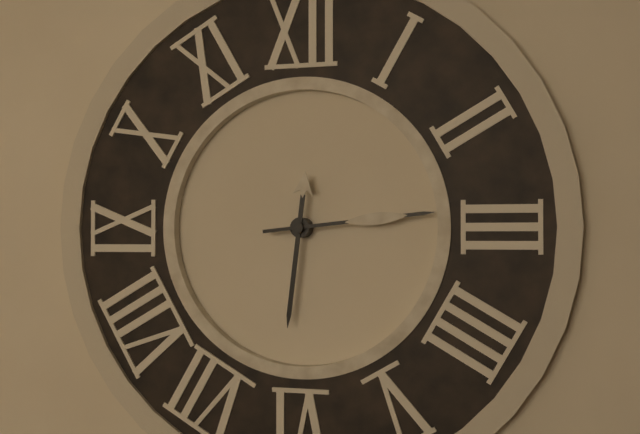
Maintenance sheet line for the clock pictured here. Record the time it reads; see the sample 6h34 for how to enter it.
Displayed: 6h14
